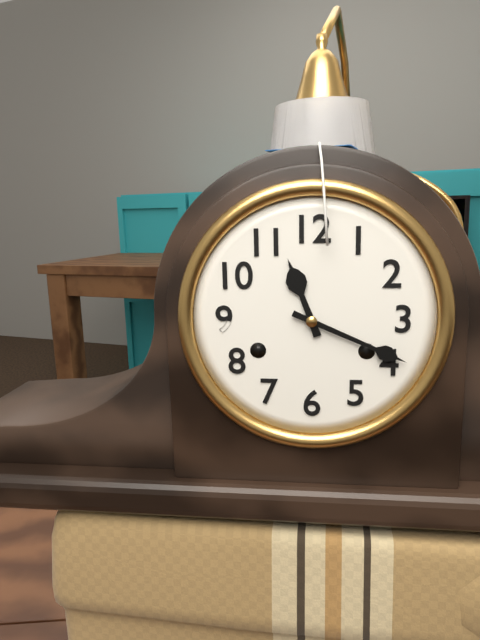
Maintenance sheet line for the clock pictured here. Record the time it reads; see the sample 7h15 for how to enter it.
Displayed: 11h19
